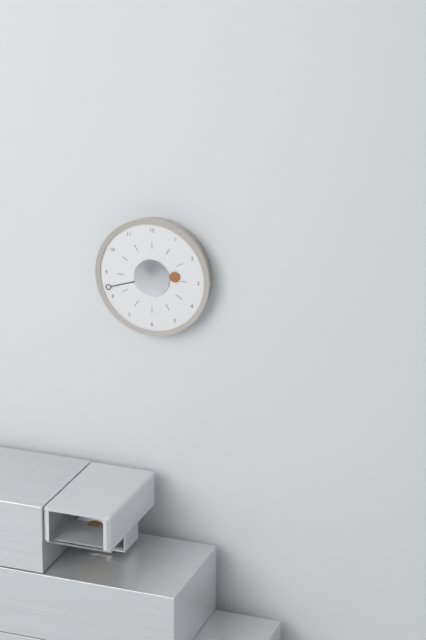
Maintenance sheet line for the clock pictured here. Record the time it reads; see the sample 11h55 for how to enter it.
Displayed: 2h42
